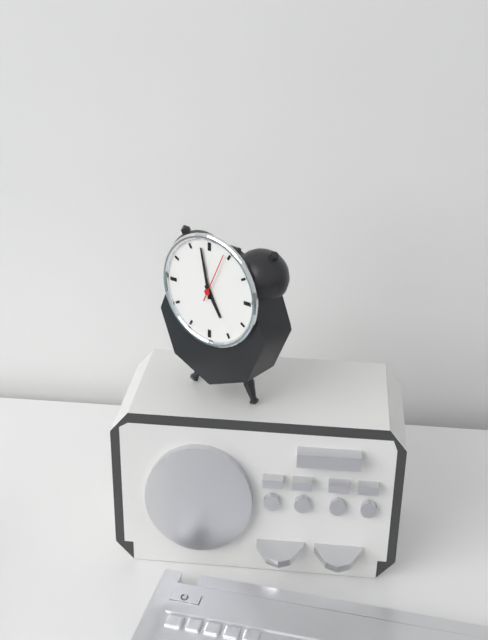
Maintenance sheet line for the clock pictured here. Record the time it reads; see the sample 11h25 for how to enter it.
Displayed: 4h58
